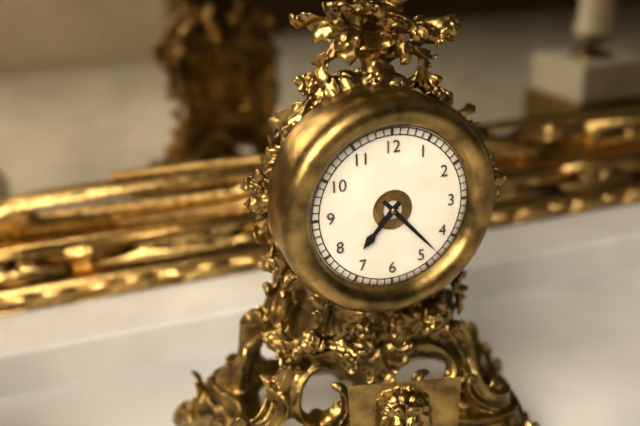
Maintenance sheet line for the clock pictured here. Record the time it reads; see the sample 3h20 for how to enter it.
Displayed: 7h23
